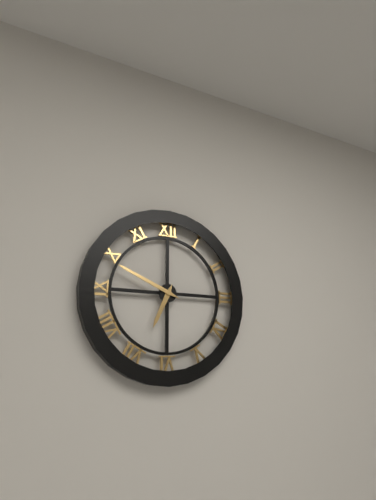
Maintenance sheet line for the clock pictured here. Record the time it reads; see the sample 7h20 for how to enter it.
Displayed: 6h49
